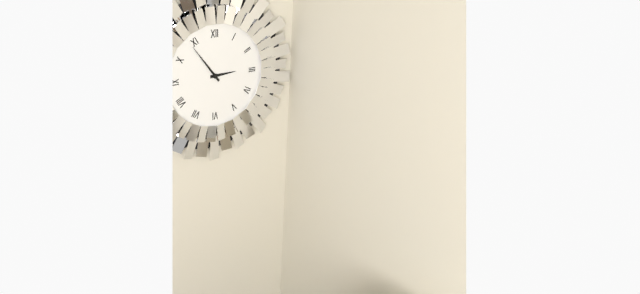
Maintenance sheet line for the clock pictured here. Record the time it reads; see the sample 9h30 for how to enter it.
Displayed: 2h54
